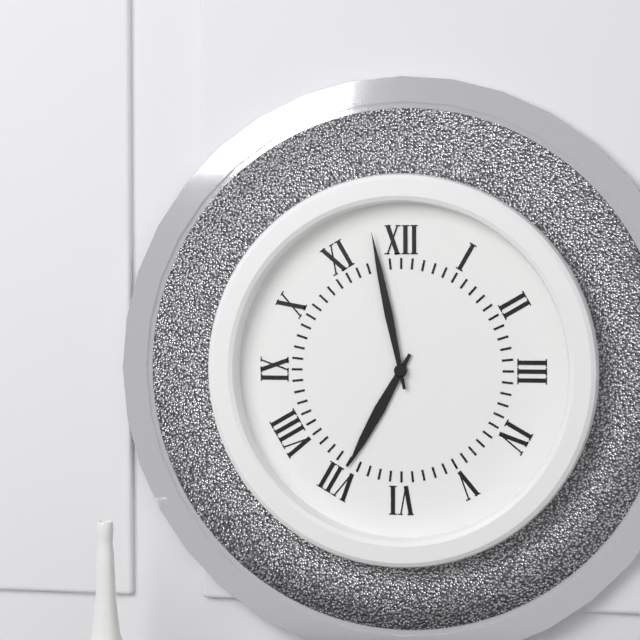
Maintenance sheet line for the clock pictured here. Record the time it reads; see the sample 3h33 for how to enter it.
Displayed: 6h58
